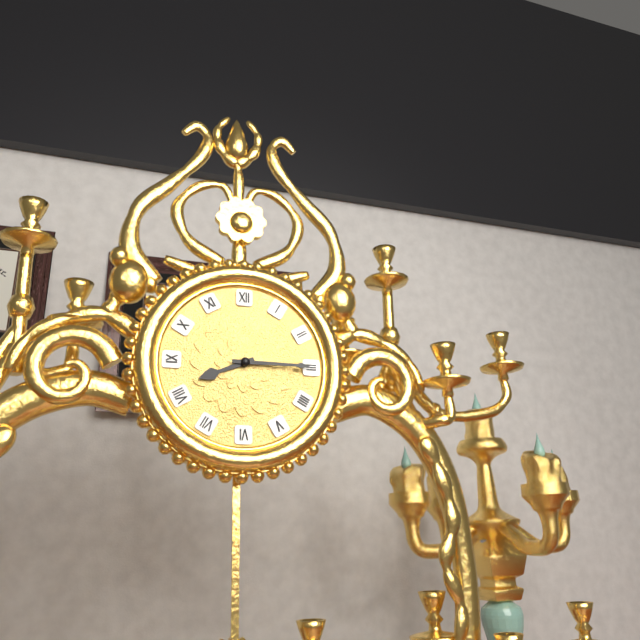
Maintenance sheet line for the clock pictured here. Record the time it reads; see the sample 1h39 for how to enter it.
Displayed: 8h15
